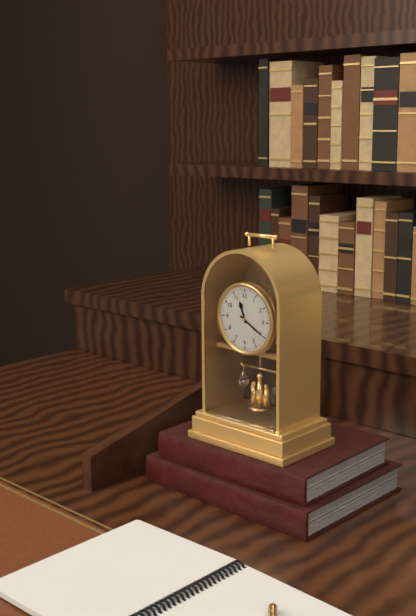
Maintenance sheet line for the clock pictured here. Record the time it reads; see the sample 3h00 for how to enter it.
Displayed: 11h20
